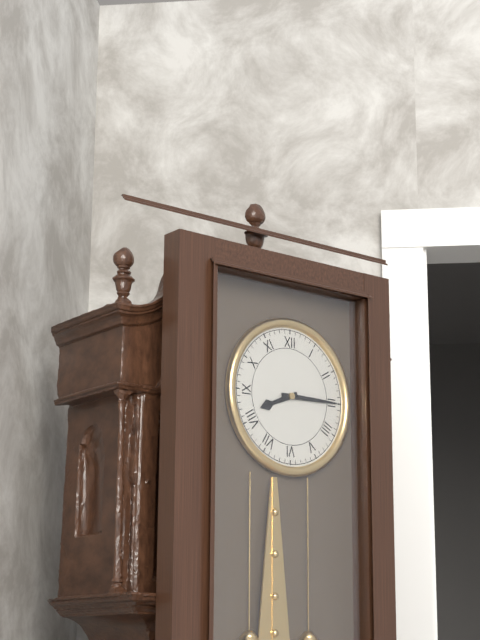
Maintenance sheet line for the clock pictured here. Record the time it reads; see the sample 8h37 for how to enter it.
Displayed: 8h15
